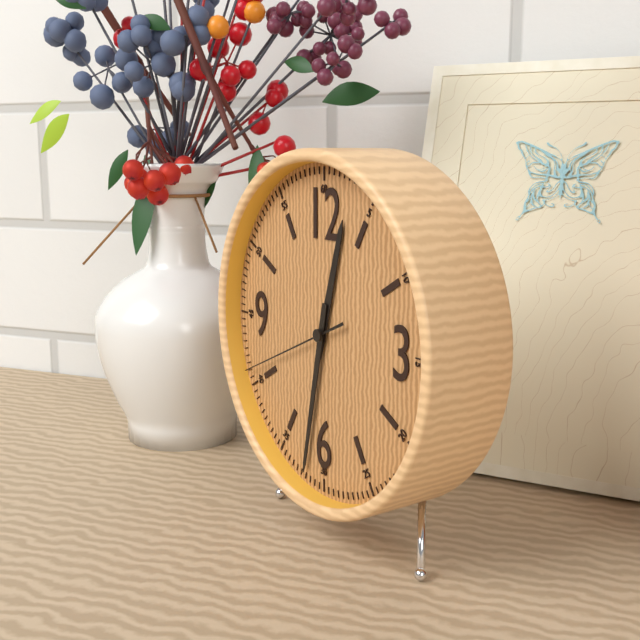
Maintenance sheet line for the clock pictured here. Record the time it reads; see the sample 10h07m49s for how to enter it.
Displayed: 12h32m41s
